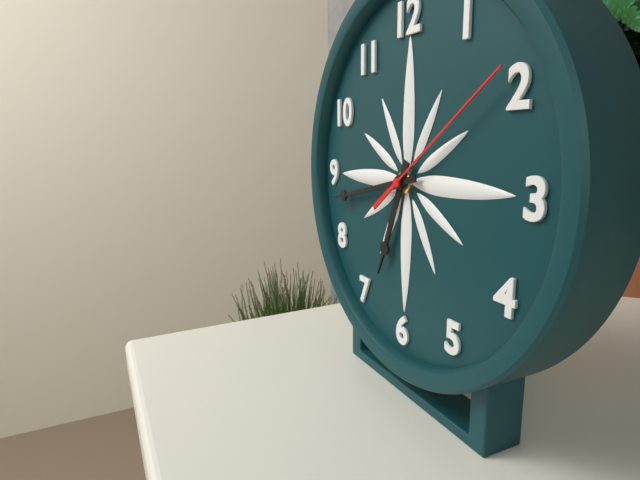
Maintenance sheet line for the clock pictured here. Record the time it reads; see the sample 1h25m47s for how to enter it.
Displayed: 6h43m09s
